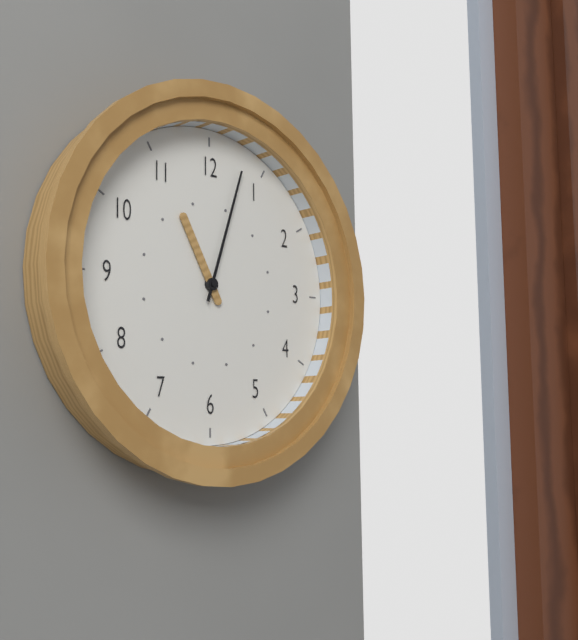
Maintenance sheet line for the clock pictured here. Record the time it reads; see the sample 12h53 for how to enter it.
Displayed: 11h03
